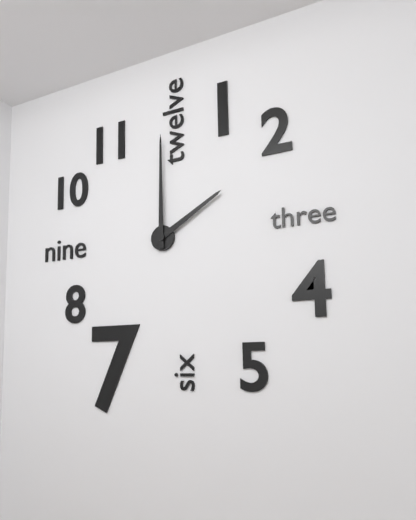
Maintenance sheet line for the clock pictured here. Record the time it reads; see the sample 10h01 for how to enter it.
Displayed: 2h00
